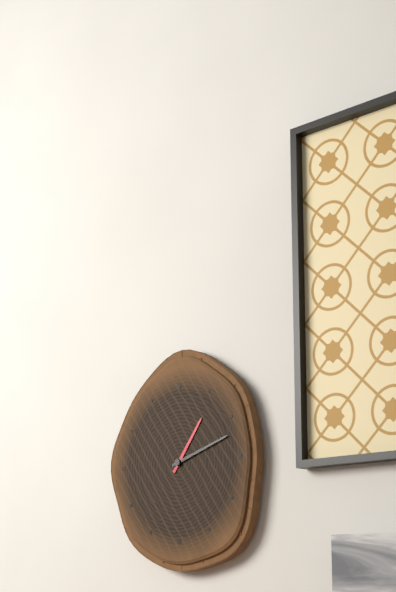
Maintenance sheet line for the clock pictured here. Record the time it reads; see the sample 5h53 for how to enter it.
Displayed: 1h12
